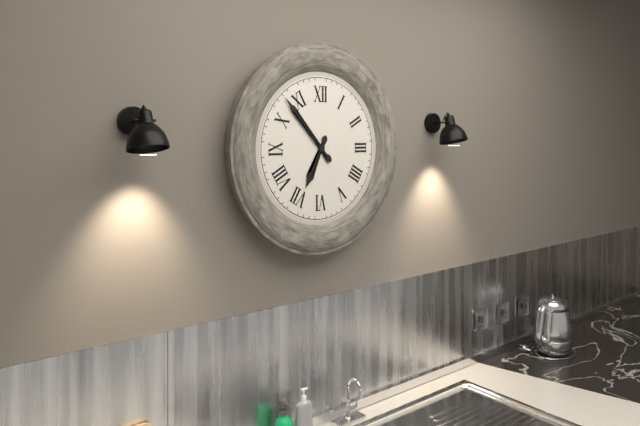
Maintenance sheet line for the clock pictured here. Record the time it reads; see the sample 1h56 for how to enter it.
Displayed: 6h53
